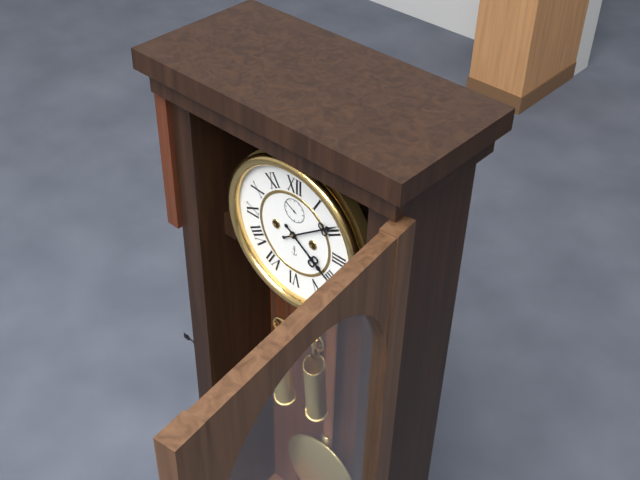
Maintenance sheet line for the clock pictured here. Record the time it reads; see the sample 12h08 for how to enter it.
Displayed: 4h09
